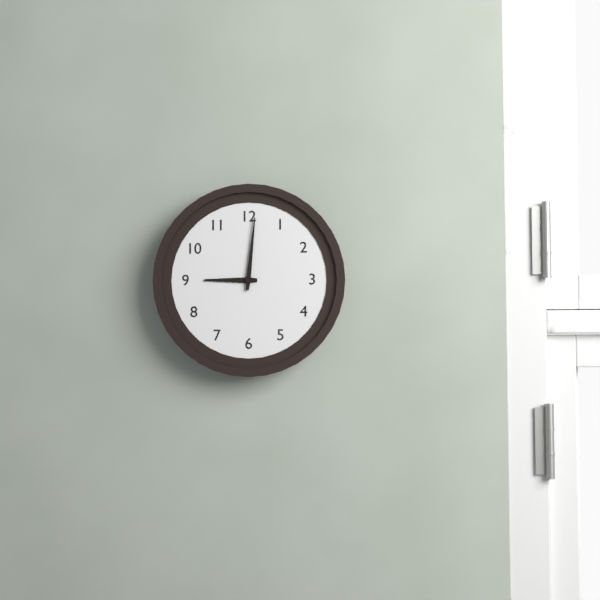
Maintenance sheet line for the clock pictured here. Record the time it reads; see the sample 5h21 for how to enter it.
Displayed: 9h01
